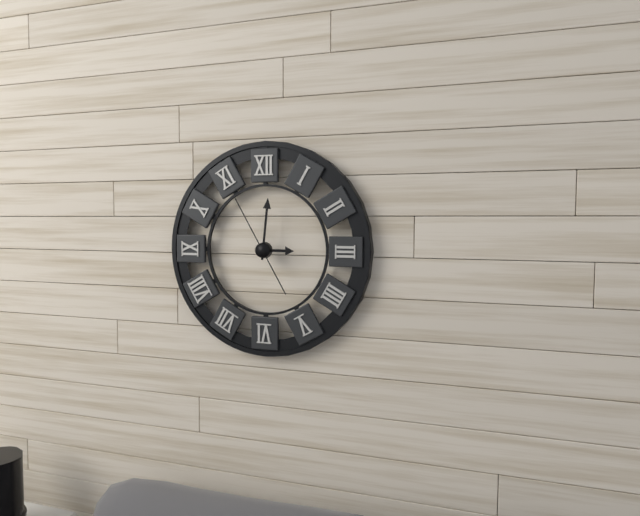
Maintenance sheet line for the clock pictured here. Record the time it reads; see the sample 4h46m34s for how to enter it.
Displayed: 3h01m55s
